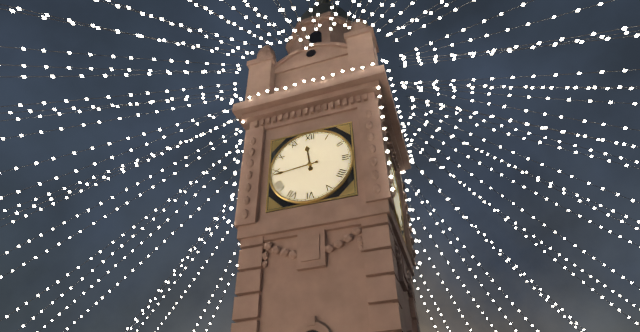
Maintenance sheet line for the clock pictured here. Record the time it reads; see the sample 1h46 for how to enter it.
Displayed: 11h44
